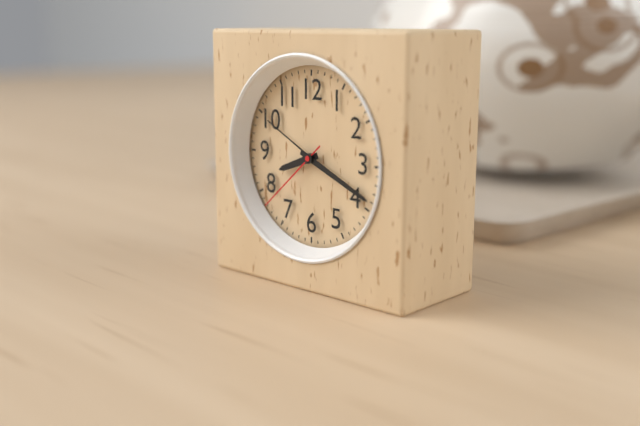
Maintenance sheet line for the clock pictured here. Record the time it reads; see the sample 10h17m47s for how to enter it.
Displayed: 8h19m38s
